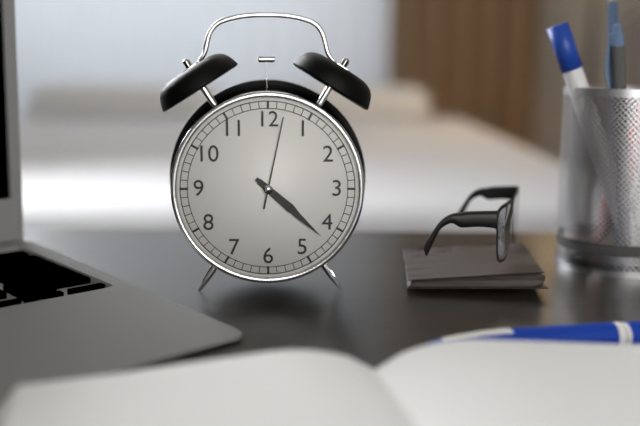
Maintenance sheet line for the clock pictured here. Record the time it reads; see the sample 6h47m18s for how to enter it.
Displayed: 4h22m02s
